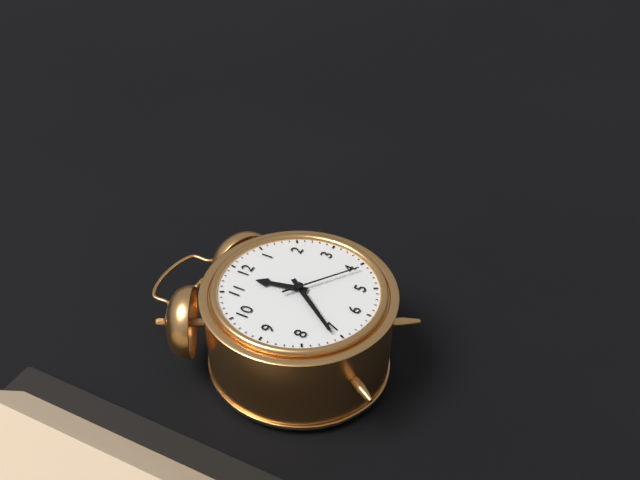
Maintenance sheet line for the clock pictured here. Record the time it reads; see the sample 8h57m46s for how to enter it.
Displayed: 11h36m21s
